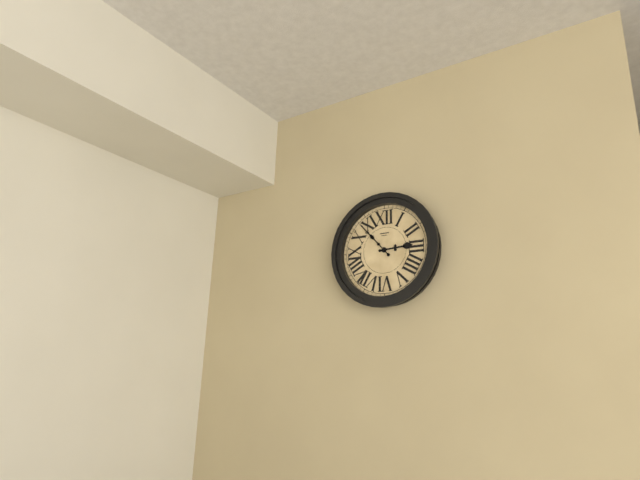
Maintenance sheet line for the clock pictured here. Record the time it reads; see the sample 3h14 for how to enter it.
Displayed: 2h53
